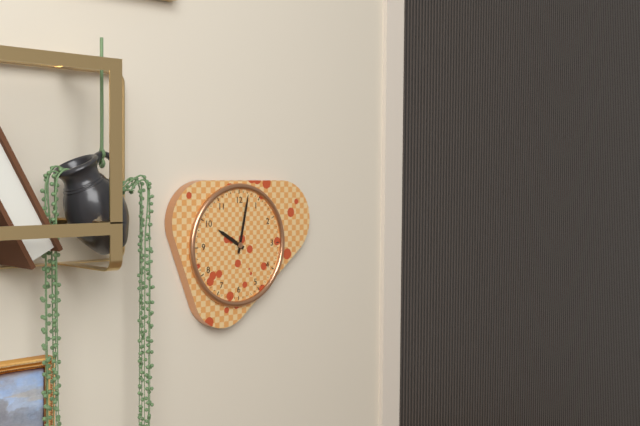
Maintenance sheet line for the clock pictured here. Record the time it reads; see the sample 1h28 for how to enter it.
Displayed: 10h02
